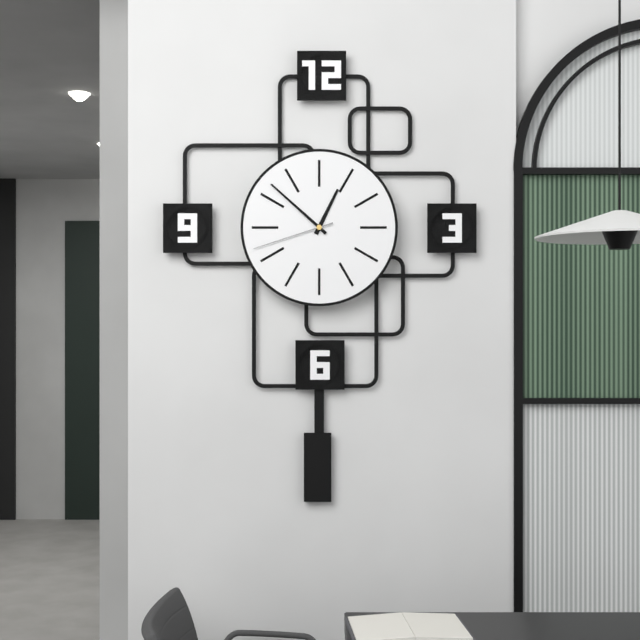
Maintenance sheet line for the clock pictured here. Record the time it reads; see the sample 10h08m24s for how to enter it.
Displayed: 12h52m42s
